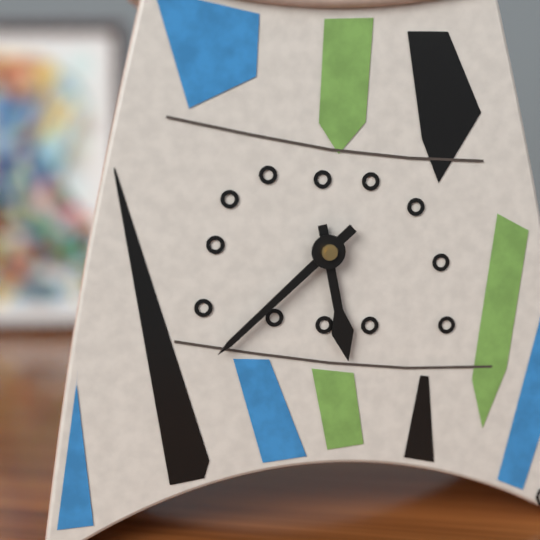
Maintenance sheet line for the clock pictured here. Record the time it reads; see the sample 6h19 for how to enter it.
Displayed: 5h38
